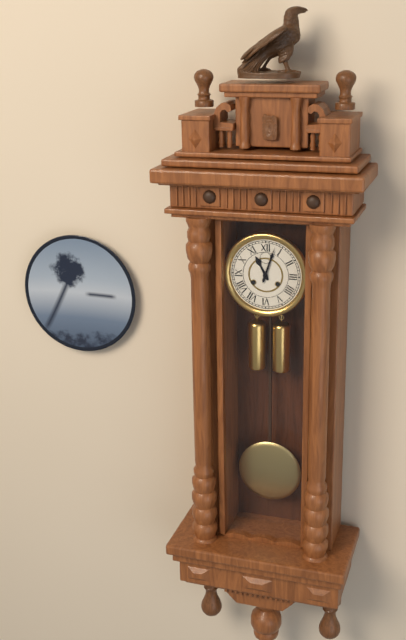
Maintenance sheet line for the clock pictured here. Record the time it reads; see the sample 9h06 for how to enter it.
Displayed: 11h03
